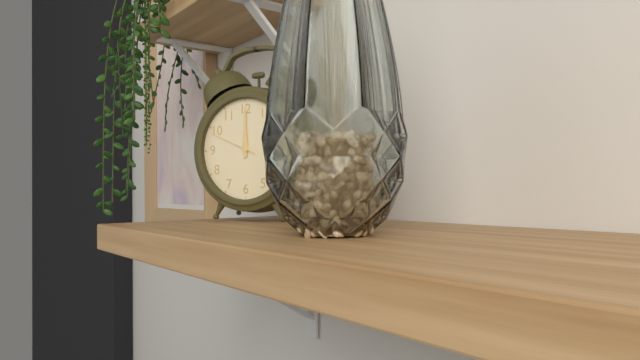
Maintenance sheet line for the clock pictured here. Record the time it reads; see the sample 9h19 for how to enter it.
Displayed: 12h00
